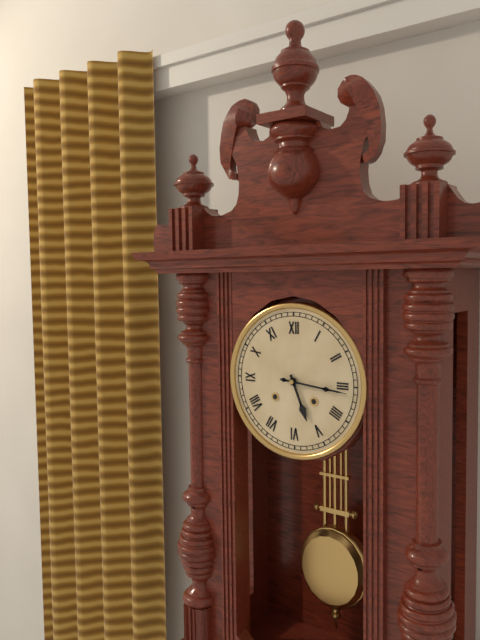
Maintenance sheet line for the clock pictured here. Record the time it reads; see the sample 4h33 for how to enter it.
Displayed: 5h16
